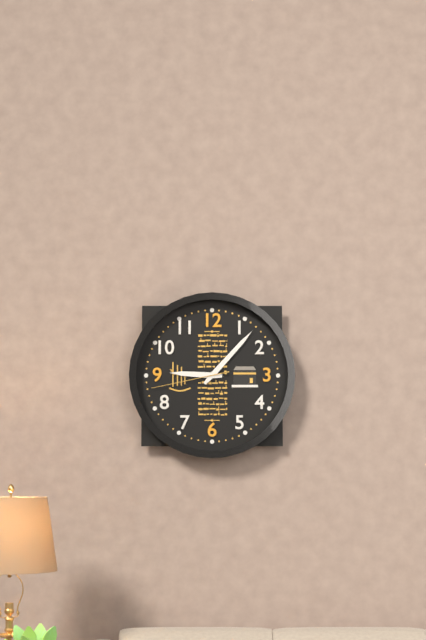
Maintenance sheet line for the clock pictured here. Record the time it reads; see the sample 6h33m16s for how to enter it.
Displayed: 9h07m43s
